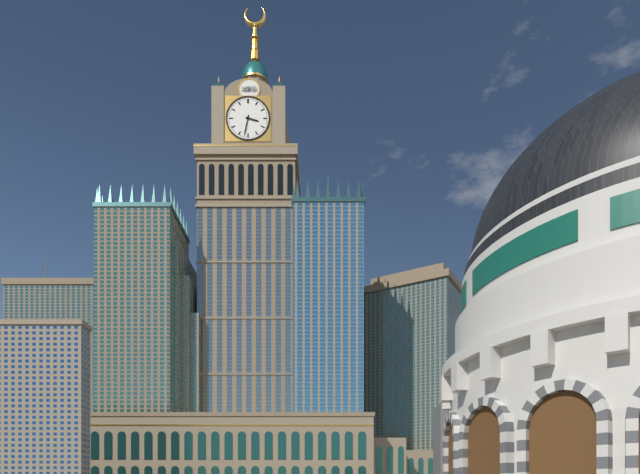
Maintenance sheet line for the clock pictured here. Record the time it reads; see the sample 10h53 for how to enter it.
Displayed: 3h32
